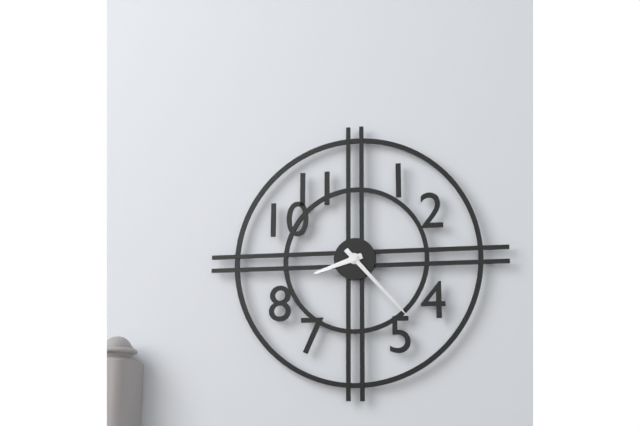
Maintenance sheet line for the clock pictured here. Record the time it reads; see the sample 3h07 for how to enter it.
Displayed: 8h23
